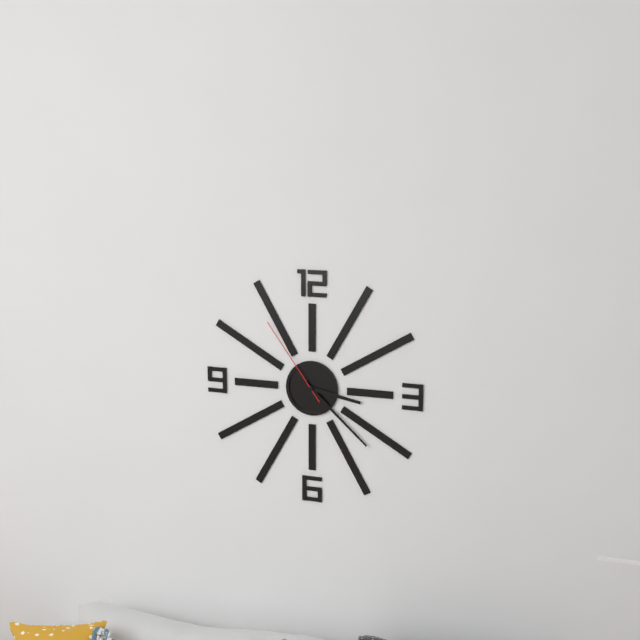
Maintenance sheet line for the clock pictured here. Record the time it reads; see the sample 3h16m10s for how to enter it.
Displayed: 3h22m54s
